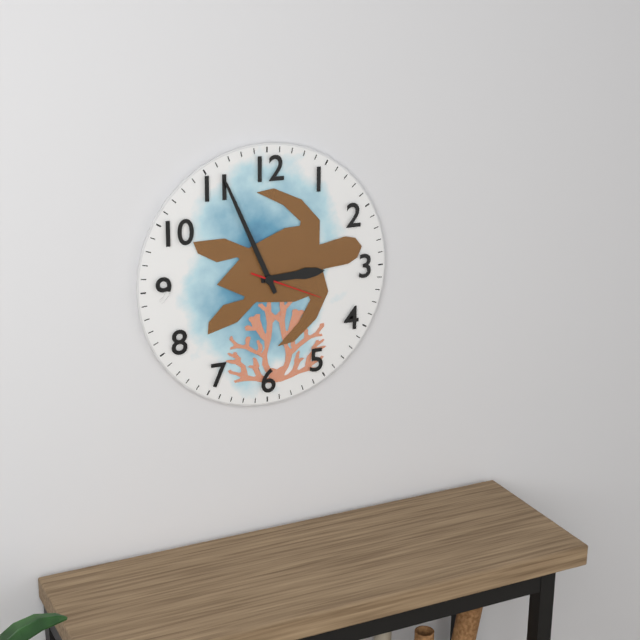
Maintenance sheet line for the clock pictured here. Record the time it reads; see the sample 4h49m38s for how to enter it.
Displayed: 2h56m19s
